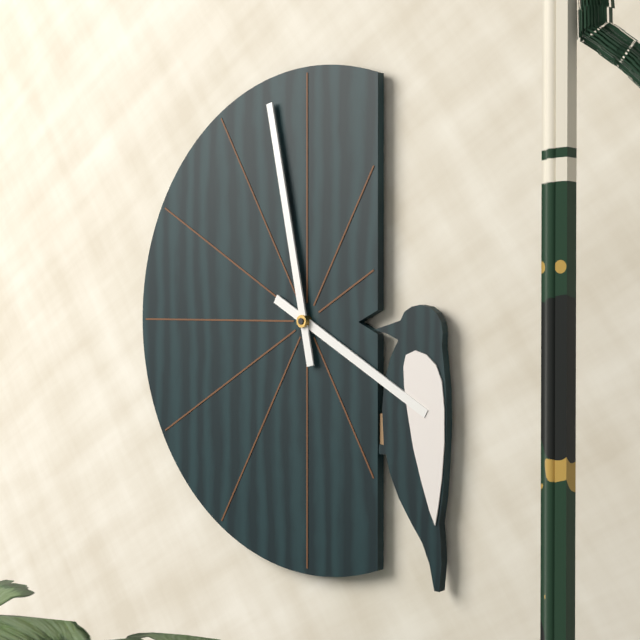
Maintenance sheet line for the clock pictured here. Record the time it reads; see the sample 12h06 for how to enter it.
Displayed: 3h58
